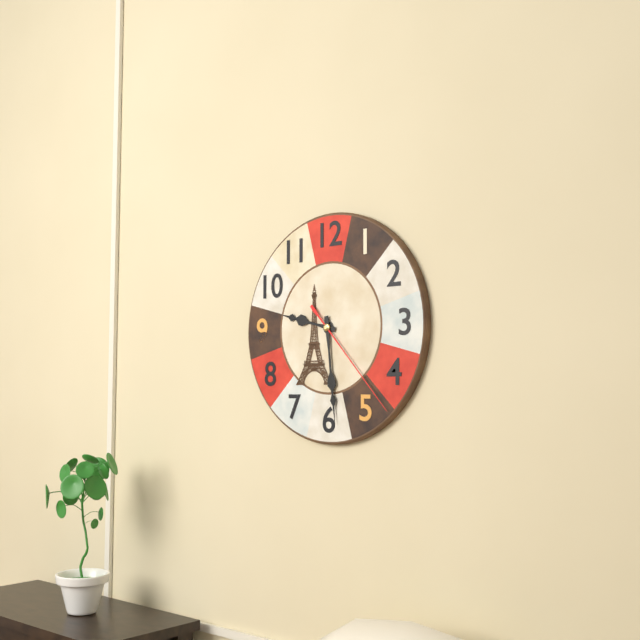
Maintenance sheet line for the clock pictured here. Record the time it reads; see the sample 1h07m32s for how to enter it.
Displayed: 9h29m23s
